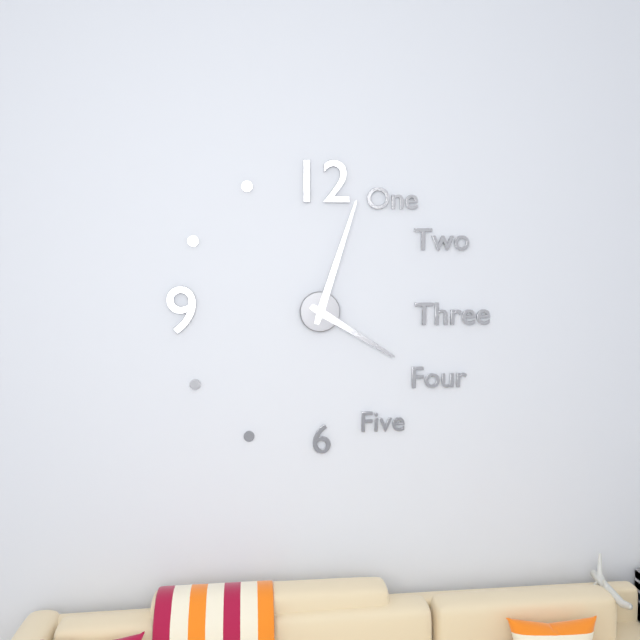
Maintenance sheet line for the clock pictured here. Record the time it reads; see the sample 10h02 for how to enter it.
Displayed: 4h03
